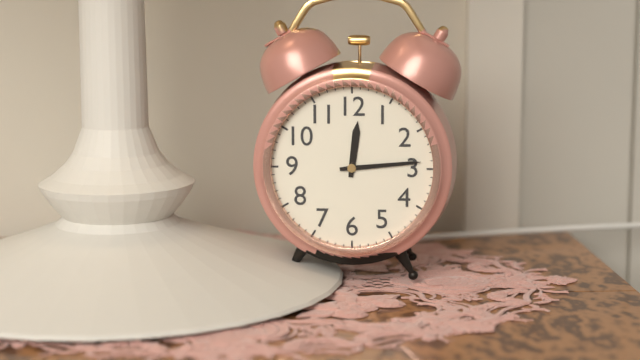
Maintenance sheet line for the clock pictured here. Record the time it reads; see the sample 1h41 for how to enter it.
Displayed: 12h14
